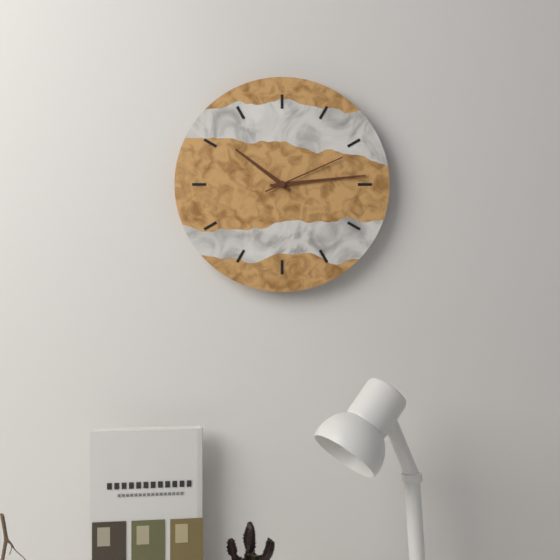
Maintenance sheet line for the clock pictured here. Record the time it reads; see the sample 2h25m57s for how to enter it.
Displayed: 10h14m11s
